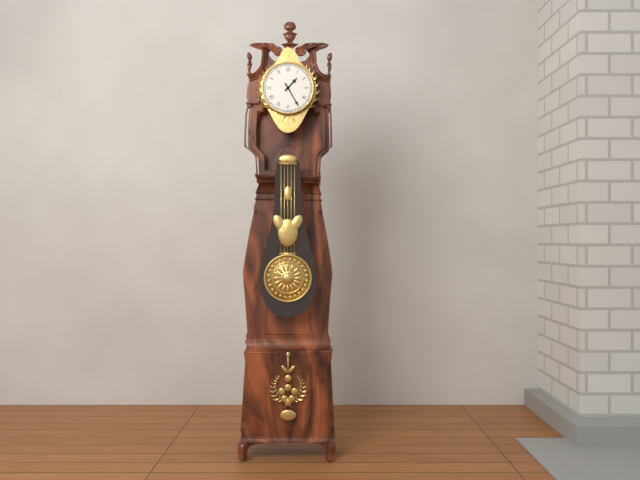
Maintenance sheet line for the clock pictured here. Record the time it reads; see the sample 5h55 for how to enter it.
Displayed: 1h25
